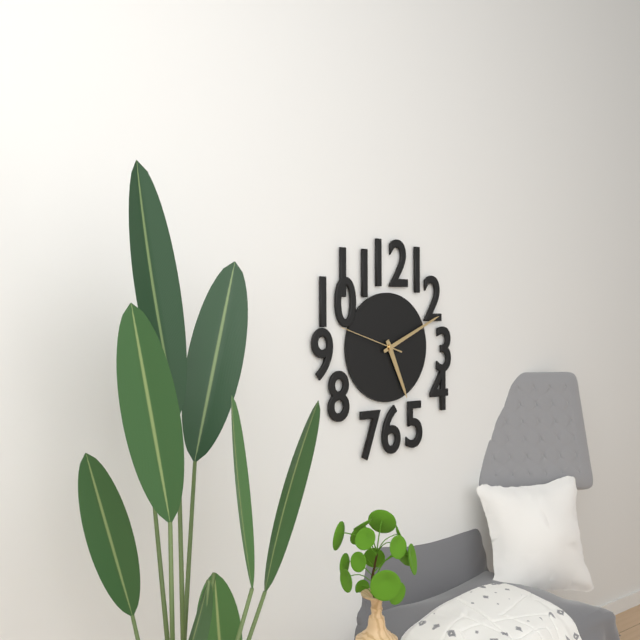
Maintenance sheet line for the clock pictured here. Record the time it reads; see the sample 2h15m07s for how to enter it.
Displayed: 5h11m48s
